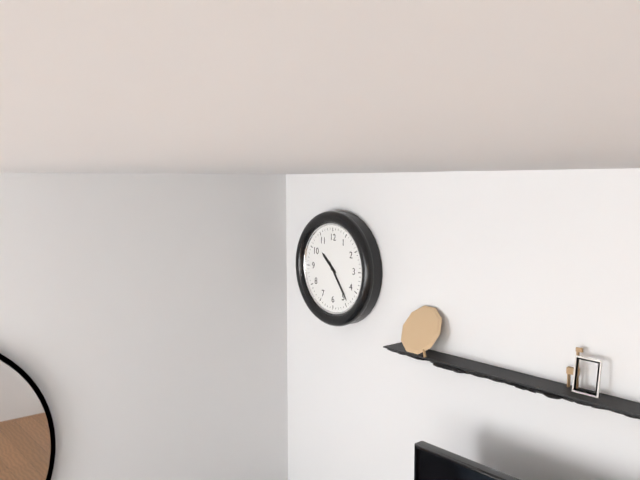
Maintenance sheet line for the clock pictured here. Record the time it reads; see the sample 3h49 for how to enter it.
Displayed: 10h24
